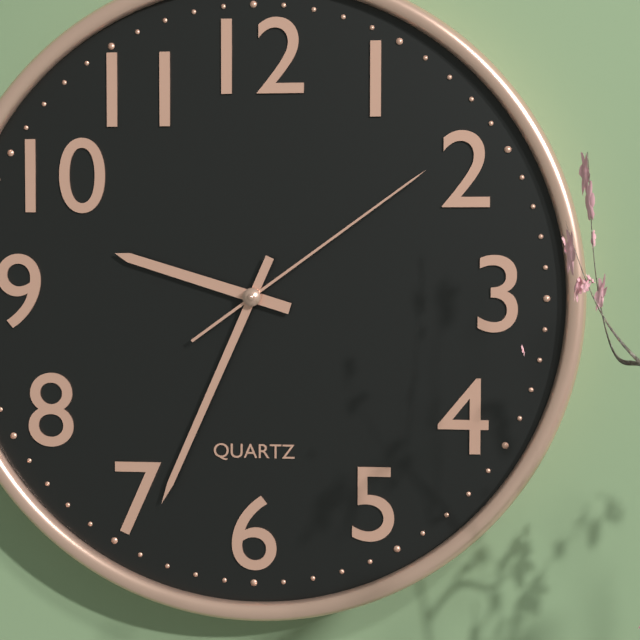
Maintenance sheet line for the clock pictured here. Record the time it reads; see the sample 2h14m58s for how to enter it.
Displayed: 9h34m09s
